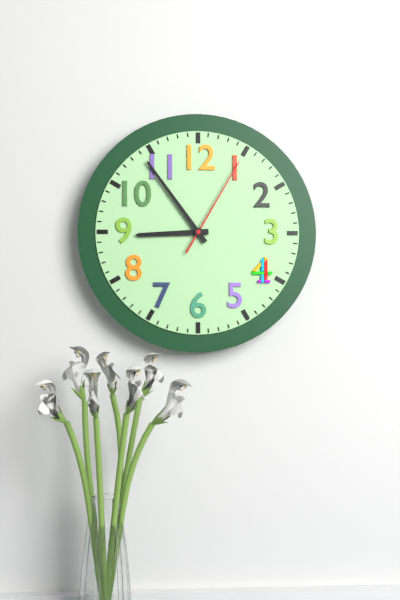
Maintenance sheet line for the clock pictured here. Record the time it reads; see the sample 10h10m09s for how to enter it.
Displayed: 8h54m05s
